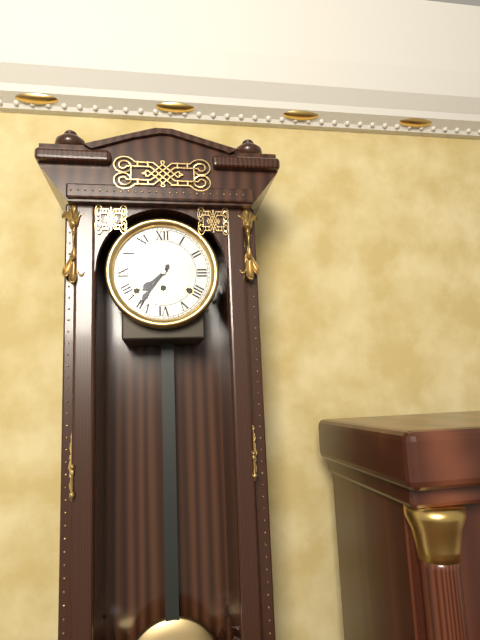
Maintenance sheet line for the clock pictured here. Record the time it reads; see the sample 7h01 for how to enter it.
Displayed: 7h36
